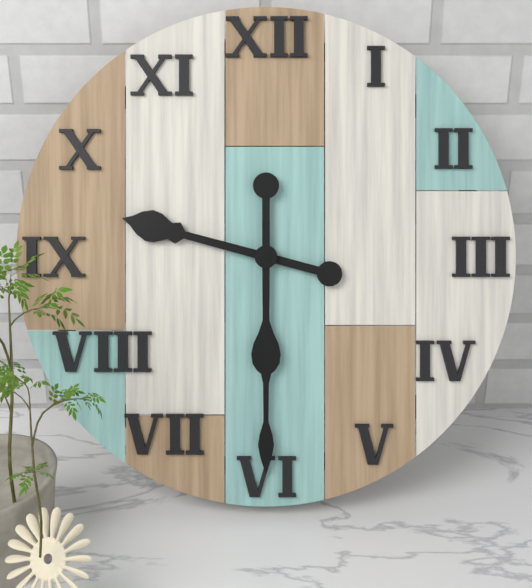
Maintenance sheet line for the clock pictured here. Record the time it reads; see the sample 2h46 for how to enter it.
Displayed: 9h30
